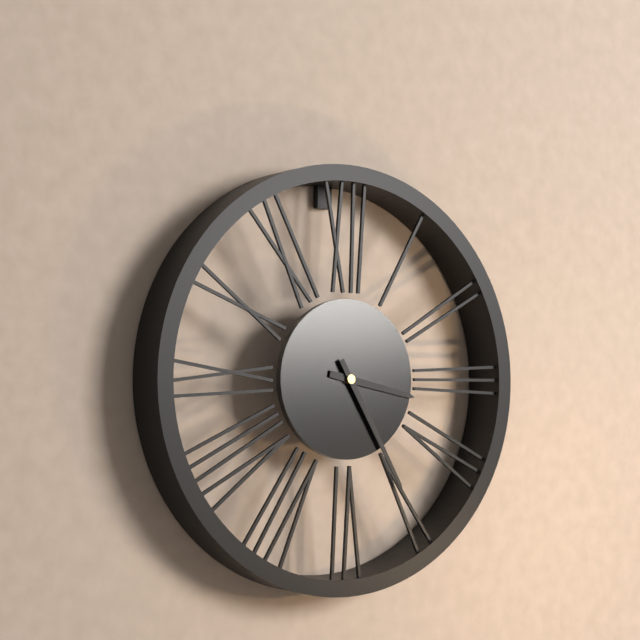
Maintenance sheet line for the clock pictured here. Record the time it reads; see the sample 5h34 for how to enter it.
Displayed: 3h25
